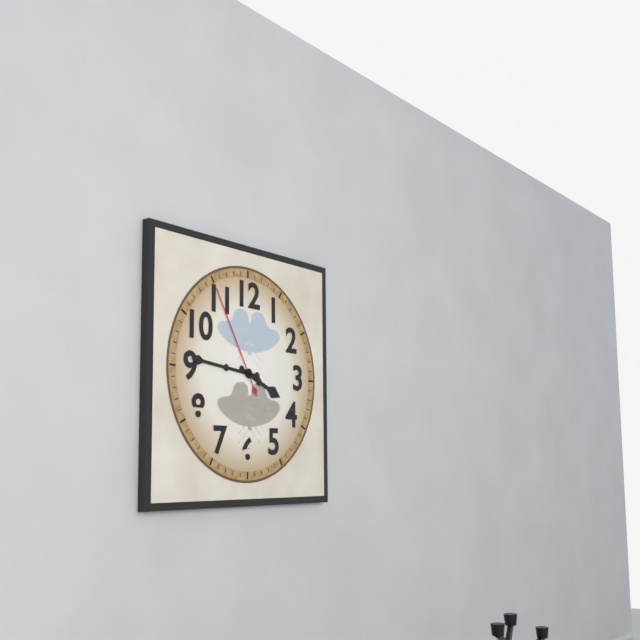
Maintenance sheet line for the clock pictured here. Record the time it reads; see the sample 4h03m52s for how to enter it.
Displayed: 3h46m55s
